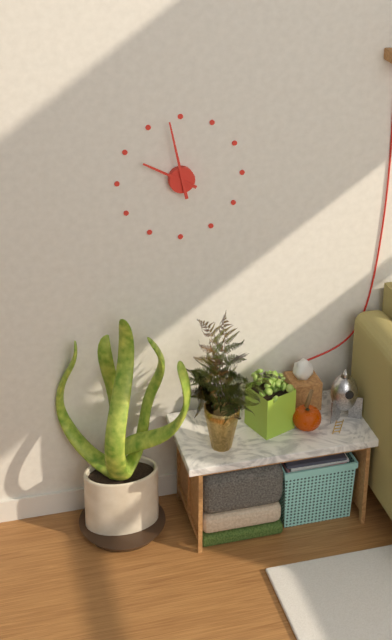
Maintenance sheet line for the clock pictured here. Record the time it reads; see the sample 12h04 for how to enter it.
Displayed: 9h58
